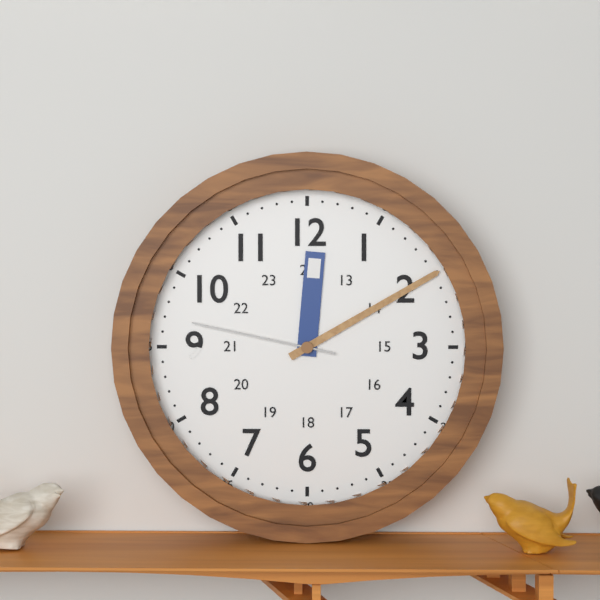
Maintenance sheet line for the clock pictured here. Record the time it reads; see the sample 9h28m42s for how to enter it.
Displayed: 12h10m47s
